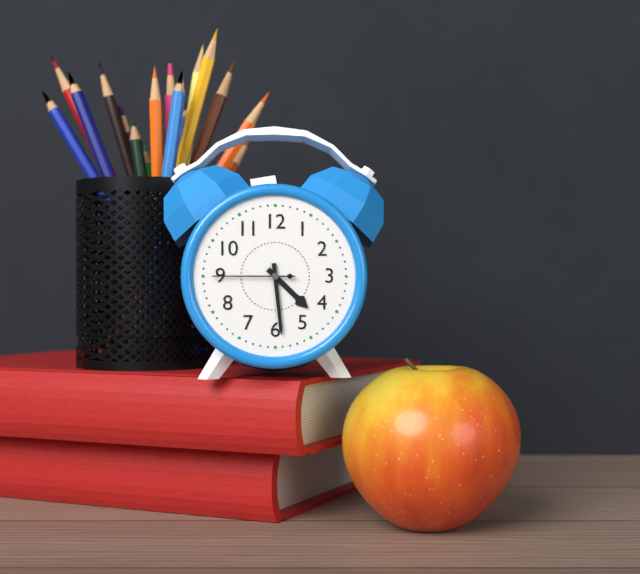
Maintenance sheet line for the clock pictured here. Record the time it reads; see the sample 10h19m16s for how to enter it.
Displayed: 4h29m45s
